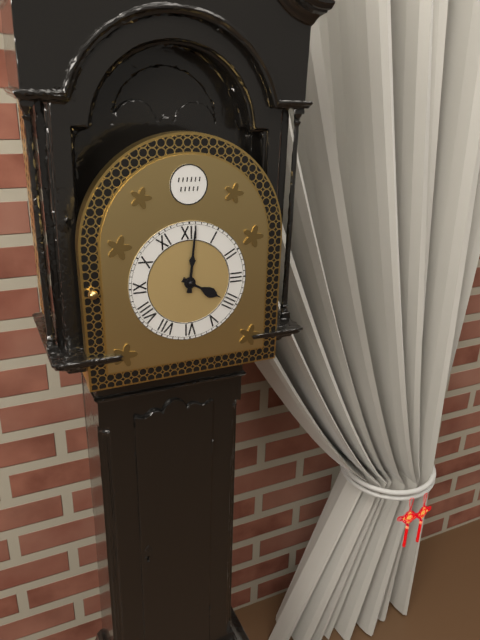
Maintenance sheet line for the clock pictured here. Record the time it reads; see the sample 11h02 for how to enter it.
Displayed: 4h01
